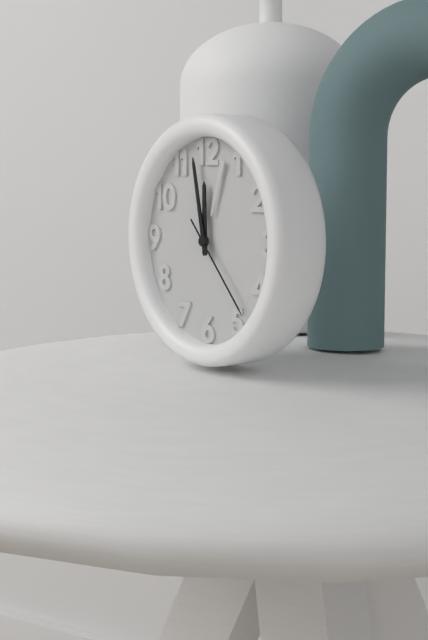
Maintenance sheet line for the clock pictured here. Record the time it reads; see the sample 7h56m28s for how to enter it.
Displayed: 11h58m23s
